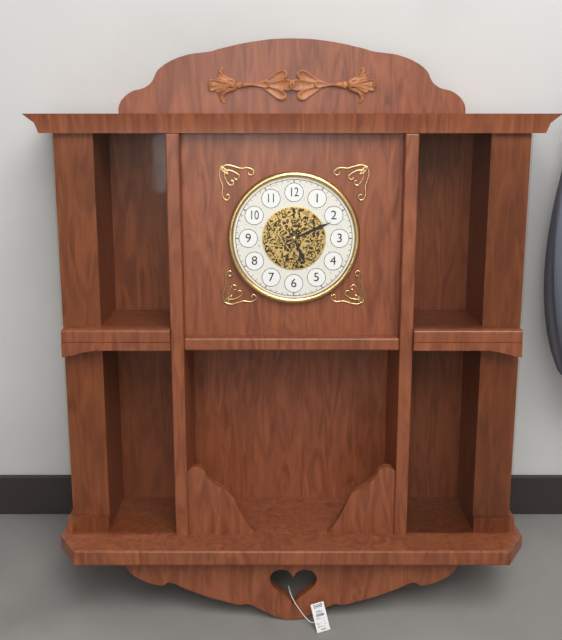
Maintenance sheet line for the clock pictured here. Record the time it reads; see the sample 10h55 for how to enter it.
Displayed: 5h11
